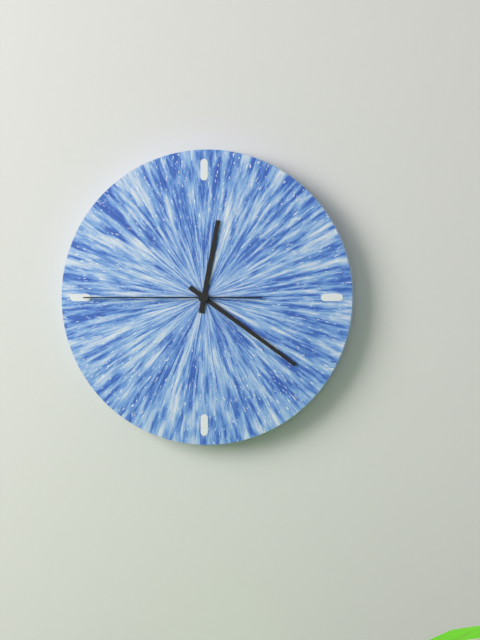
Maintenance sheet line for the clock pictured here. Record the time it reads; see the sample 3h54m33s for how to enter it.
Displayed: 12h21m45s
